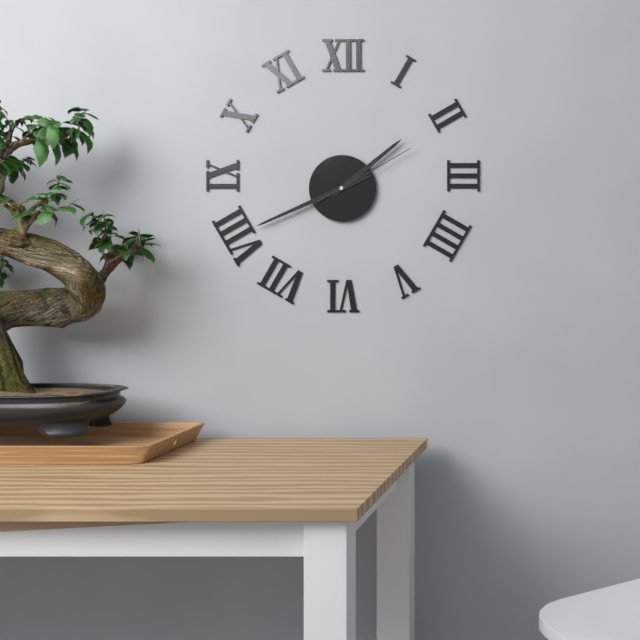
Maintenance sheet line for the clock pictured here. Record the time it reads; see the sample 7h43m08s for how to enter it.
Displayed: 1h41m10s
